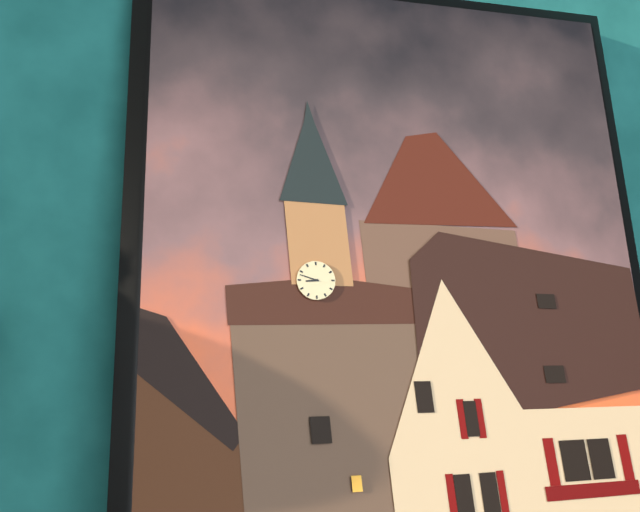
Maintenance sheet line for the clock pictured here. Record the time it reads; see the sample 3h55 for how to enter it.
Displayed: 8h48
